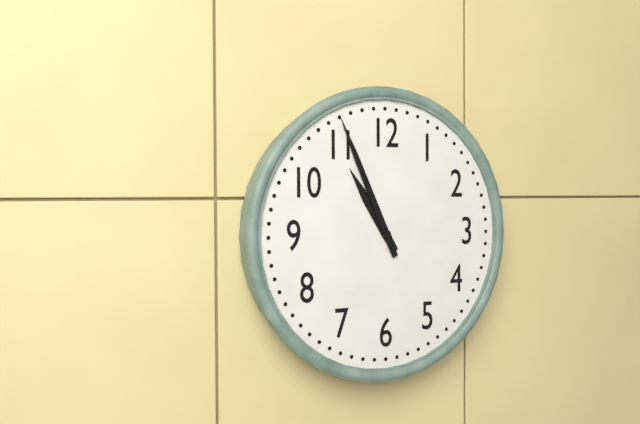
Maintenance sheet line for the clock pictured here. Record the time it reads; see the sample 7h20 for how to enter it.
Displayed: 10h56
